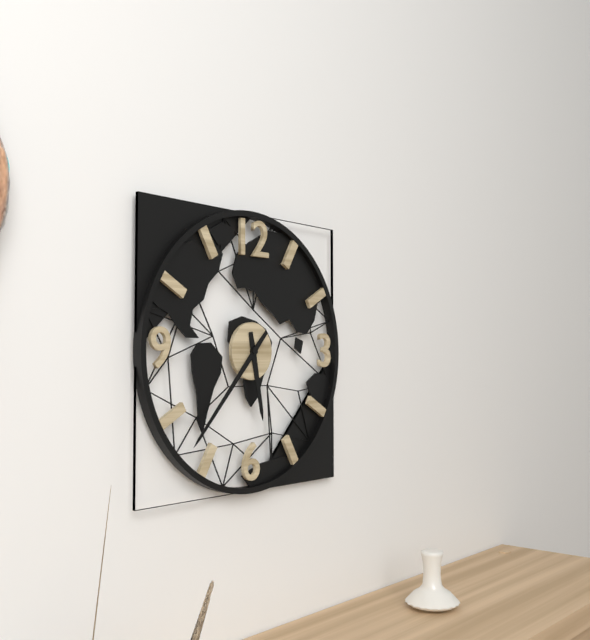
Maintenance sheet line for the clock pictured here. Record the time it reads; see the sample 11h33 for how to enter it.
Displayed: 5h37
